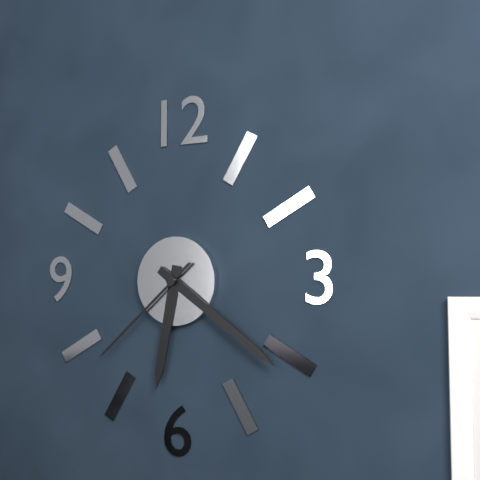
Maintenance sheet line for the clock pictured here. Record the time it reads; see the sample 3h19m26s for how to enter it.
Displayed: 6h21m38s
